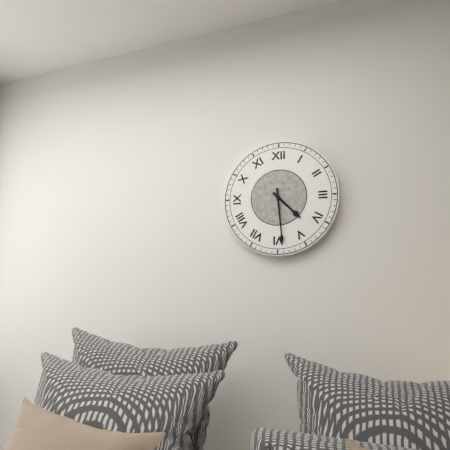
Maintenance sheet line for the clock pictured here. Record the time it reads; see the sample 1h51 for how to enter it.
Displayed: 4h29
